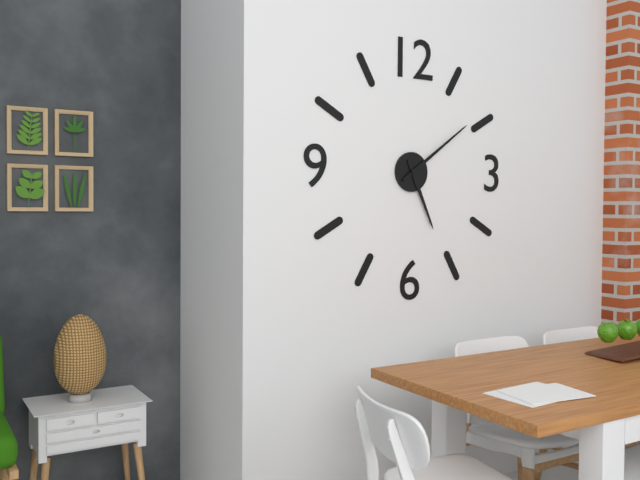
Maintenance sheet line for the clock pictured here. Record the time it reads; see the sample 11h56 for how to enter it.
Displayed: 5h09
